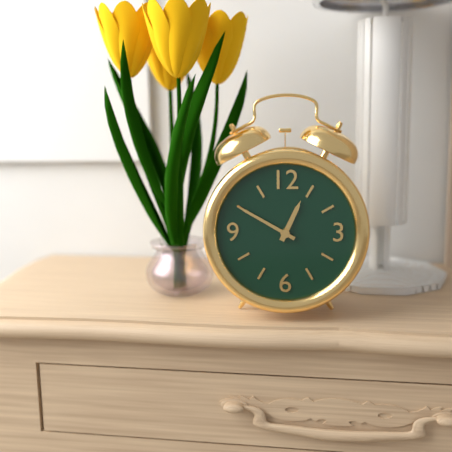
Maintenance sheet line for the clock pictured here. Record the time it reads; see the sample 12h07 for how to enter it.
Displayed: 12h50
